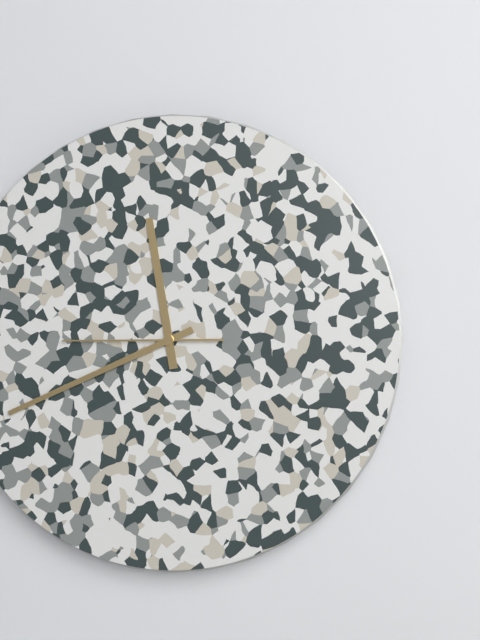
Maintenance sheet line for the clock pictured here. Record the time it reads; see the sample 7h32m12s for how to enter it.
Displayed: 11h41m45s
